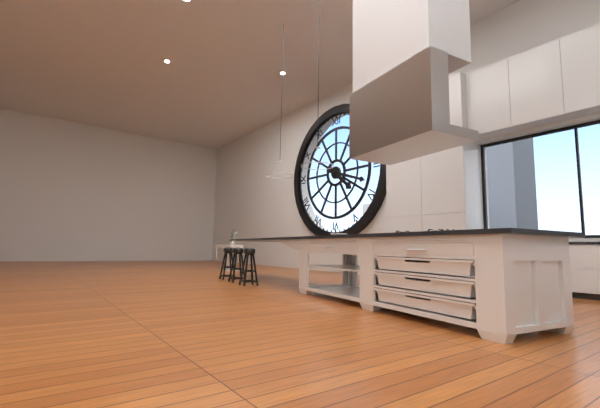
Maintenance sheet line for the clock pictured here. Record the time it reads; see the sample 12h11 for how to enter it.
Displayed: 4h18
